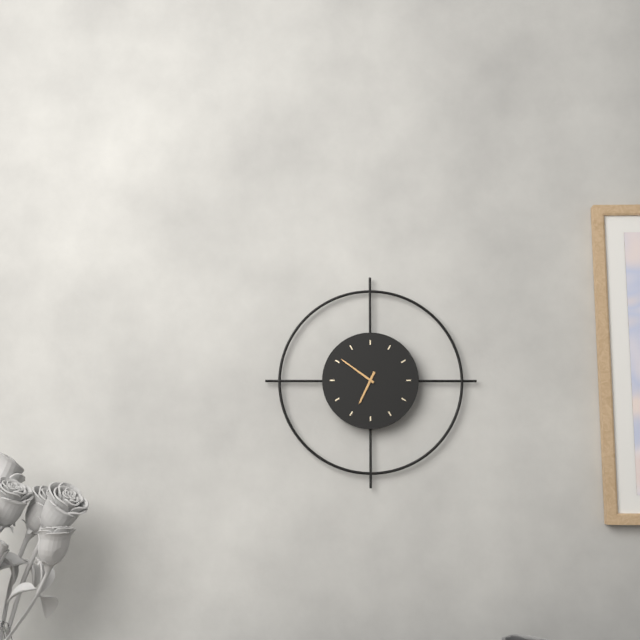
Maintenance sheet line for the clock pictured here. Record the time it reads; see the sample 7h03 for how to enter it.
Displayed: 6h51
